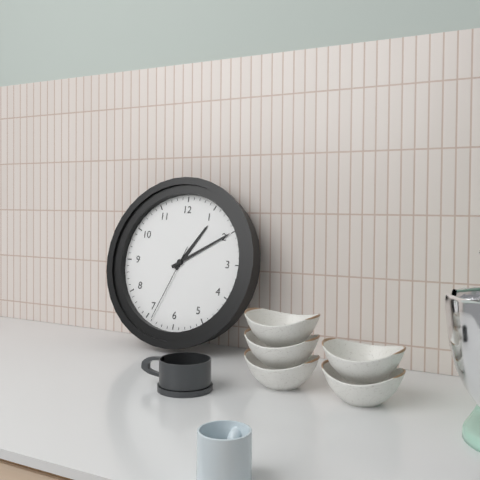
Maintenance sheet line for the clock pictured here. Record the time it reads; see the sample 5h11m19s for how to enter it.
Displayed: 1h10m34s
